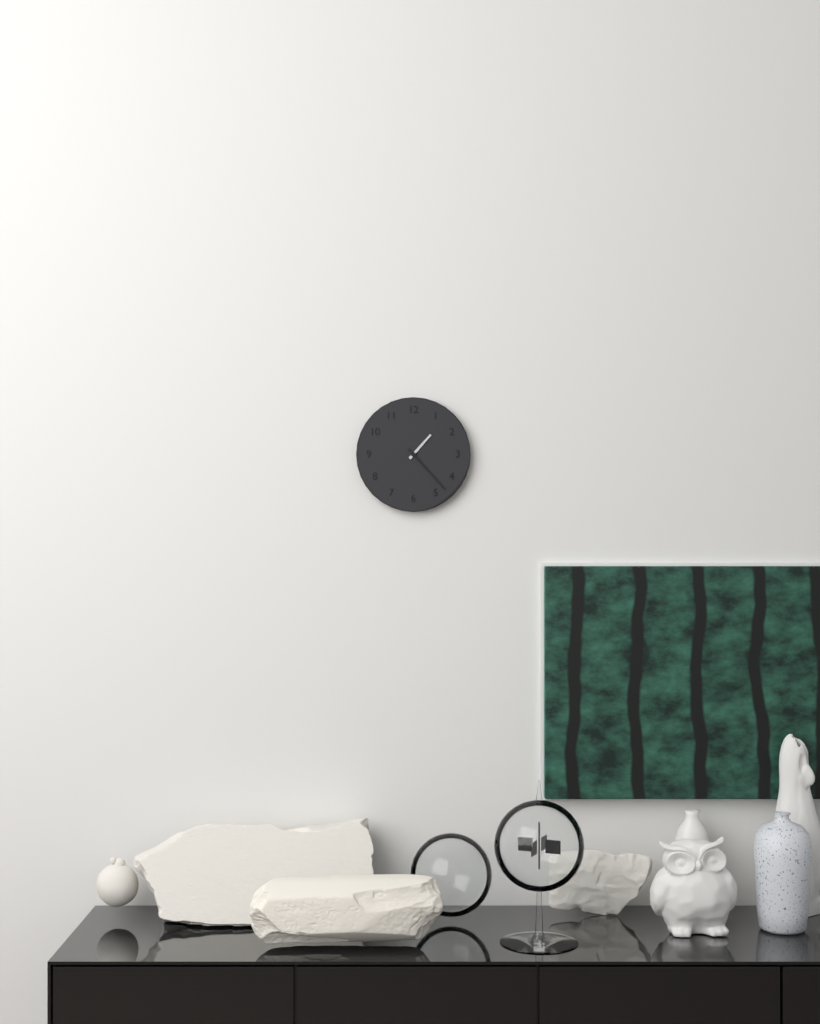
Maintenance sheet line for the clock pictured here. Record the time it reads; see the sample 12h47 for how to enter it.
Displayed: 1h23
